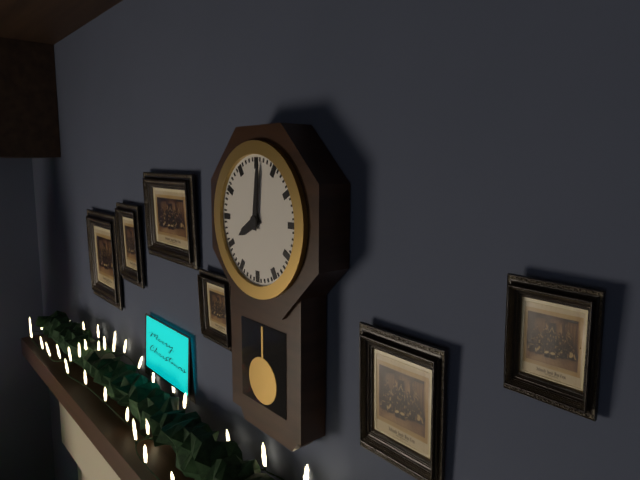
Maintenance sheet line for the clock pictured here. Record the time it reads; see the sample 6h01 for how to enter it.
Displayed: 8h01
